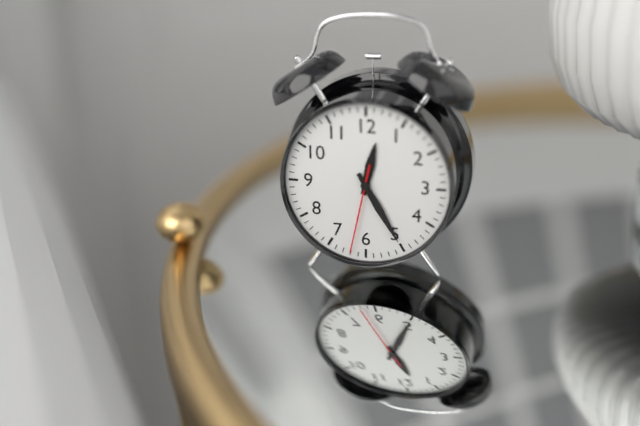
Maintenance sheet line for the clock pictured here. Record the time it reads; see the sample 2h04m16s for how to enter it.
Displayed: 12h25m32s
